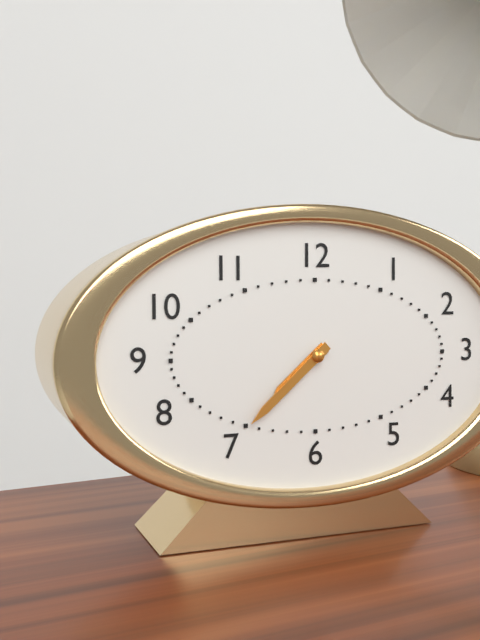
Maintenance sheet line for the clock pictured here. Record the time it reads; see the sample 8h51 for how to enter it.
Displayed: 7h38
